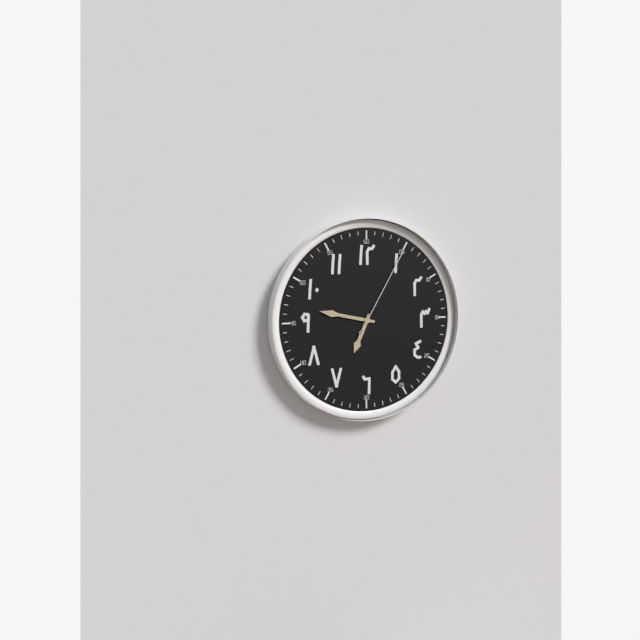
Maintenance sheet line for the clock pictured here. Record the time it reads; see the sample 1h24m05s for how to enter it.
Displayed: 6h47m05s
